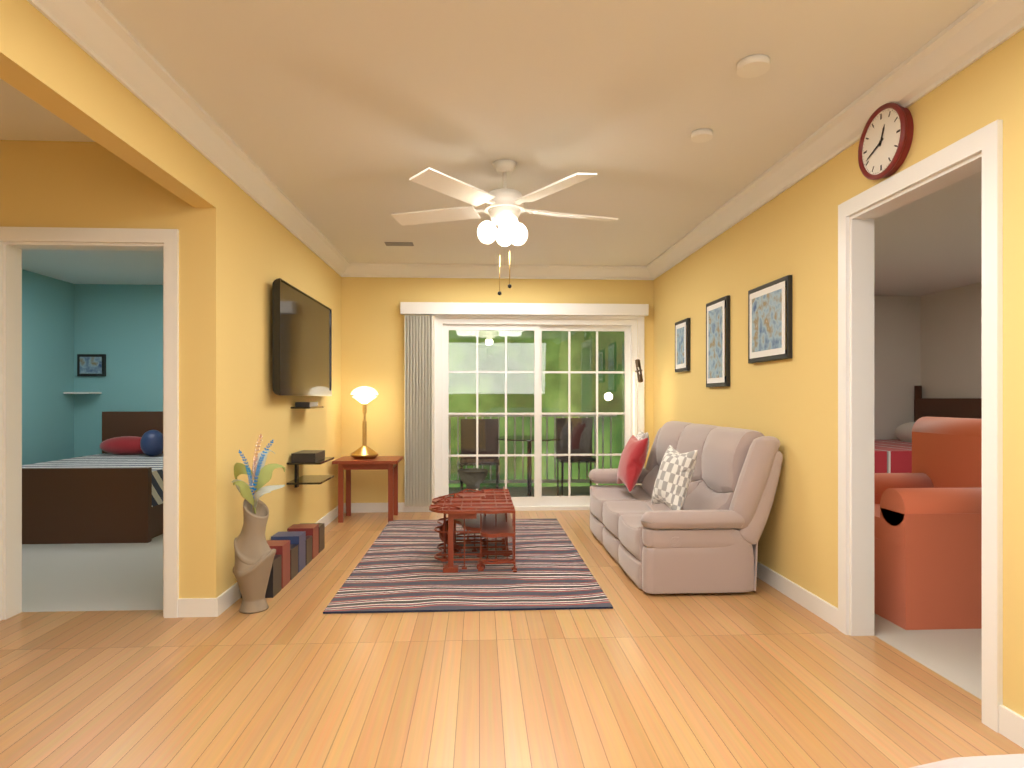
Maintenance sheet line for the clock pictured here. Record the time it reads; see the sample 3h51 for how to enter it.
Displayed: 12h41
